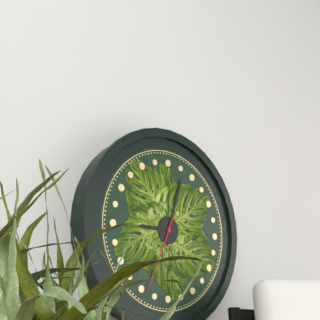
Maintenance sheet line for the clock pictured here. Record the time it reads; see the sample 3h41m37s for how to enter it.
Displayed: 9h03m34s
